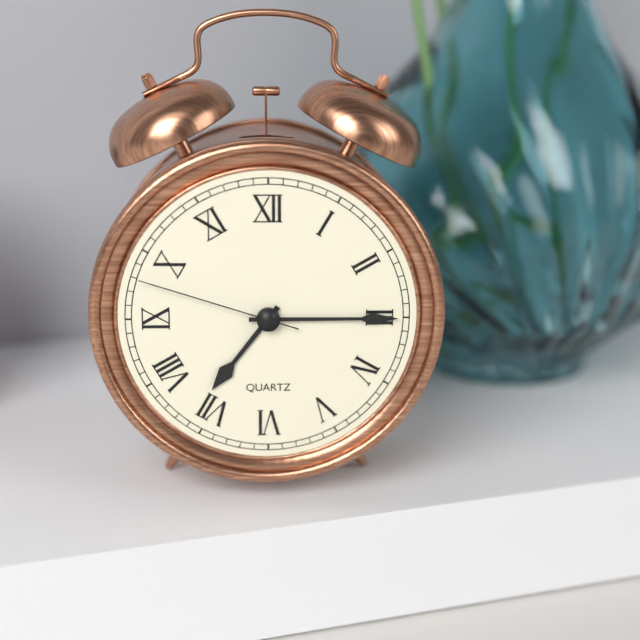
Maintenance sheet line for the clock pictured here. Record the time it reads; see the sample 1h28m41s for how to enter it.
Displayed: 7h15m48s
